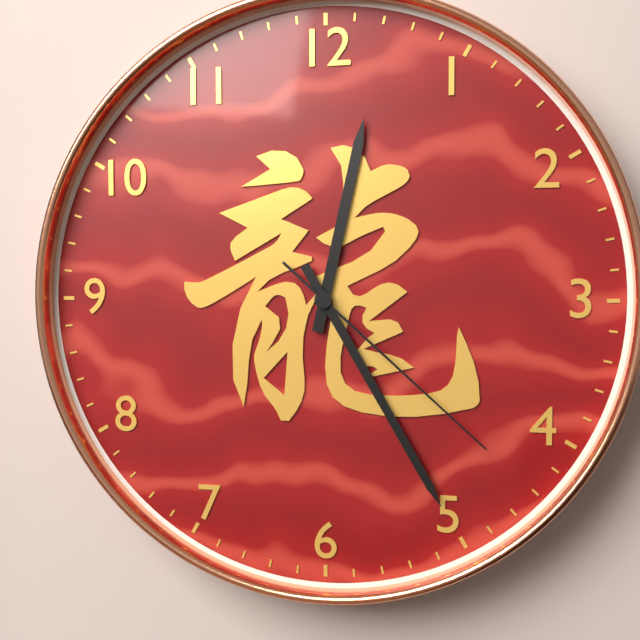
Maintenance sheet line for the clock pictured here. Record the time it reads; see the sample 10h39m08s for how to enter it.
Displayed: 12h25m22s
